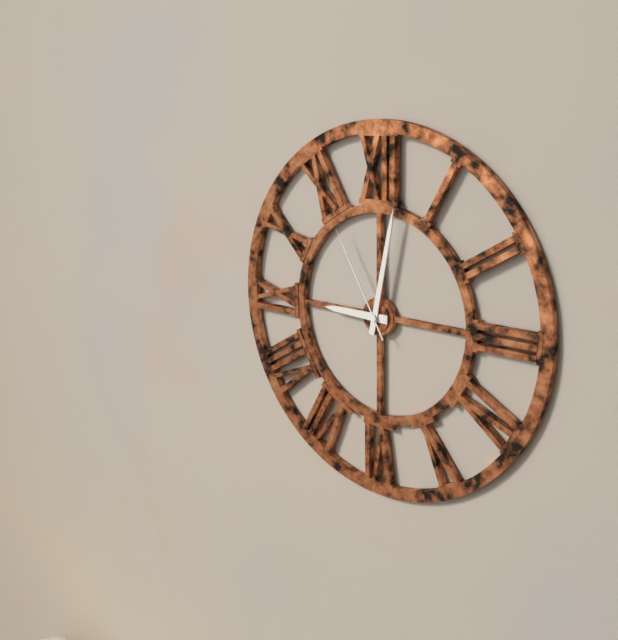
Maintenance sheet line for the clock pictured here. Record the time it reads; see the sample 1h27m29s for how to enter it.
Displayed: 9h02m55s
